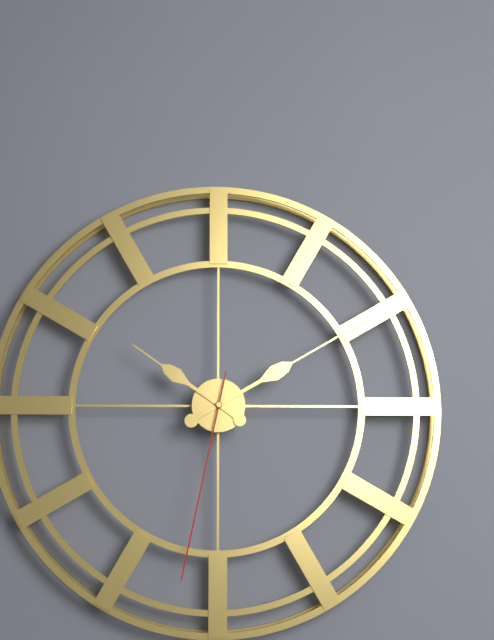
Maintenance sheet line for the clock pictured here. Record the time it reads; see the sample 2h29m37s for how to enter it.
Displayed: 10h10m32s
